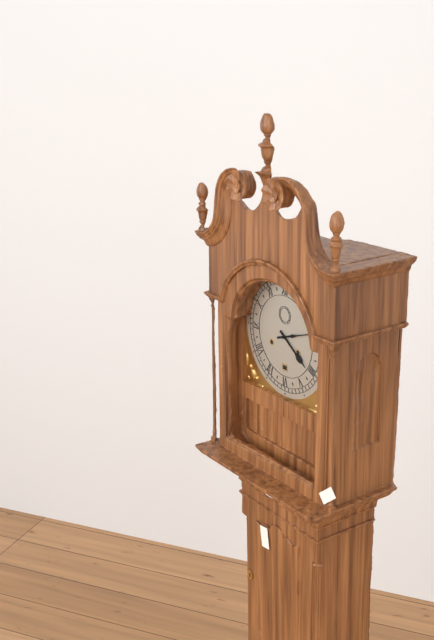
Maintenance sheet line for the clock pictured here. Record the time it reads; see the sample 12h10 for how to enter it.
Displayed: 4h12
